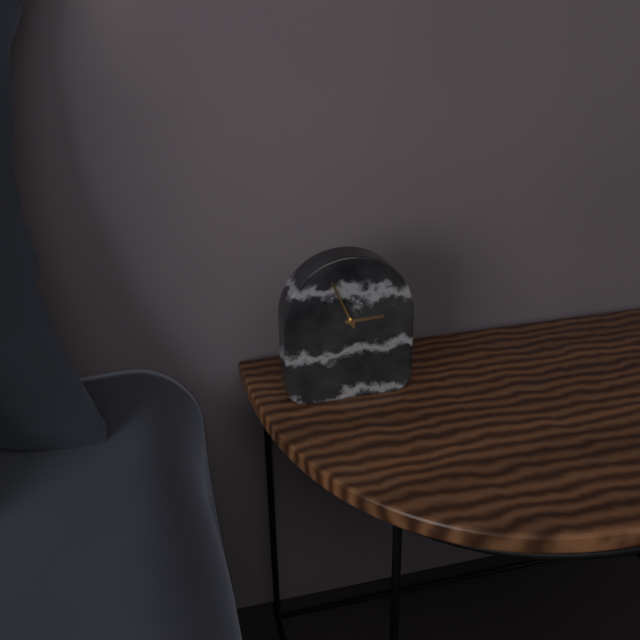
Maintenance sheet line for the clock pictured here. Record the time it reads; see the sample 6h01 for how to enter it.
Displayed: 2h56
